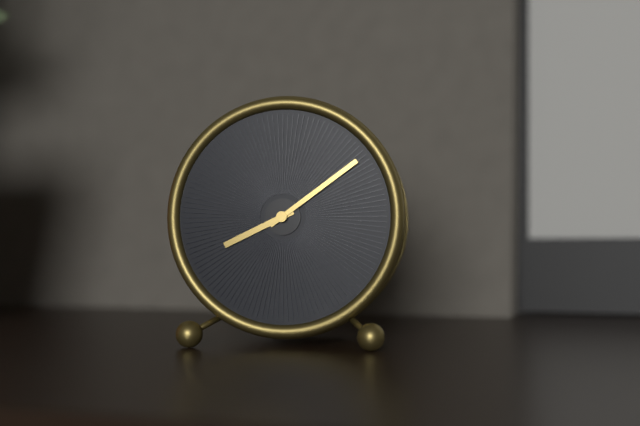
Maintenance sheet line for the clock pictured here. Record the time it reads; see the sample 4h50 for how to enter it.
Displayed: 8h09
